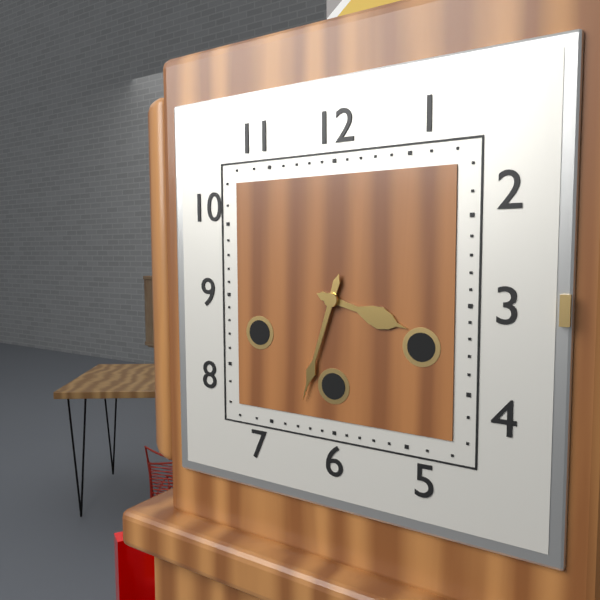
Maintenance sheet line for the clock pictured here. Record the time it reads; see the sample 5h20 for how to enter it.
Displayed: 3h33
